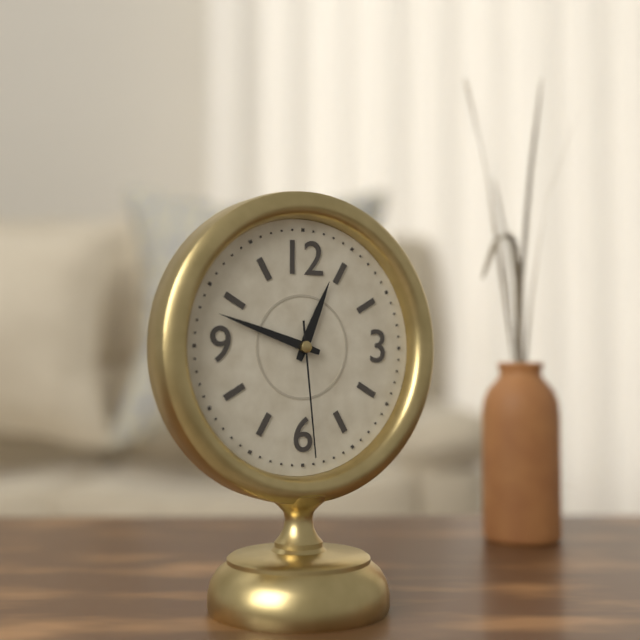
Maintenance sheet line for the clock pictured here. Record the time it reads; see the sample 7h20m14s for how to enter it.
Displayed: 12h48m29s
